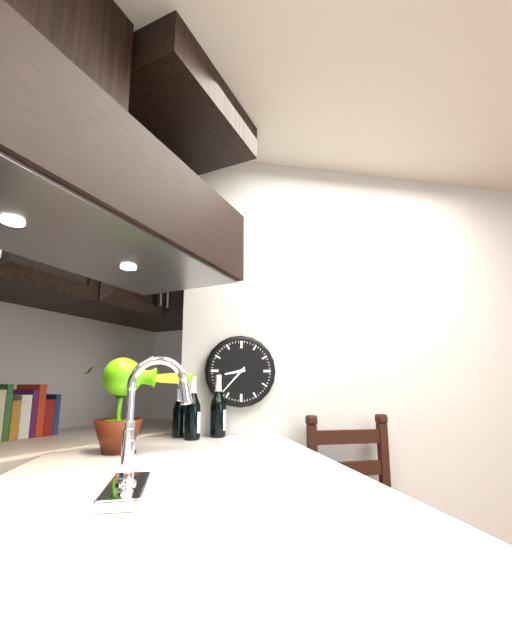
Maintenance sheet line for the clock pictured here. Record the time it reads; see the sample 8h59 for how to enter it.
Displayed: 8h37
